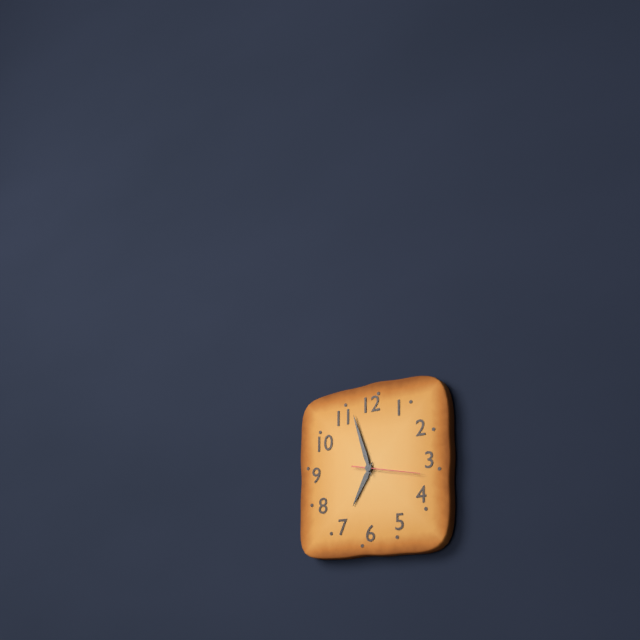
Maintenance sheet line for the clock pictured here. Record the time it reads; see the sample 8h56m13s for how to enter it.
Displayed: 6h57m17s
